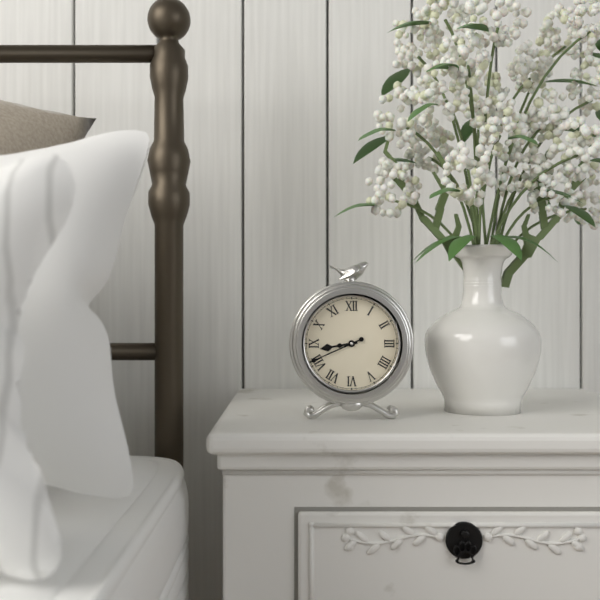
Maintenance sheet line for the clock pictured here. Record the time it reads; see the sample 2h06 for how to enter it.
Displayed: 8h41
